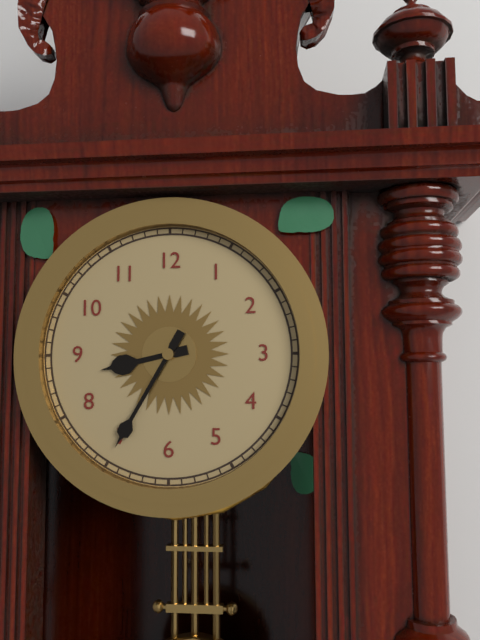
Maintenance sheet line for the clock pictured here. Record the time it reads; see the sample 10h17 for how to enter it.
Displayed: 8h35
